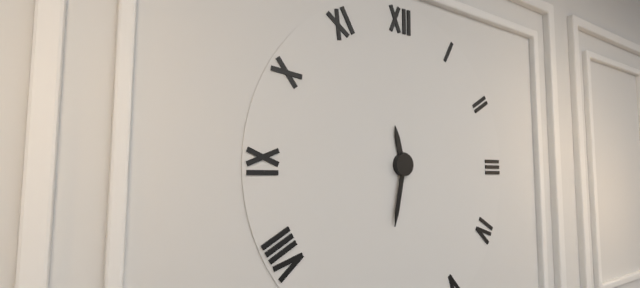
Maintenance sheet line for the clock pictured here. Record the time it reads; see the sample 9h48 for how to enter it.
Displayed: 11h32
